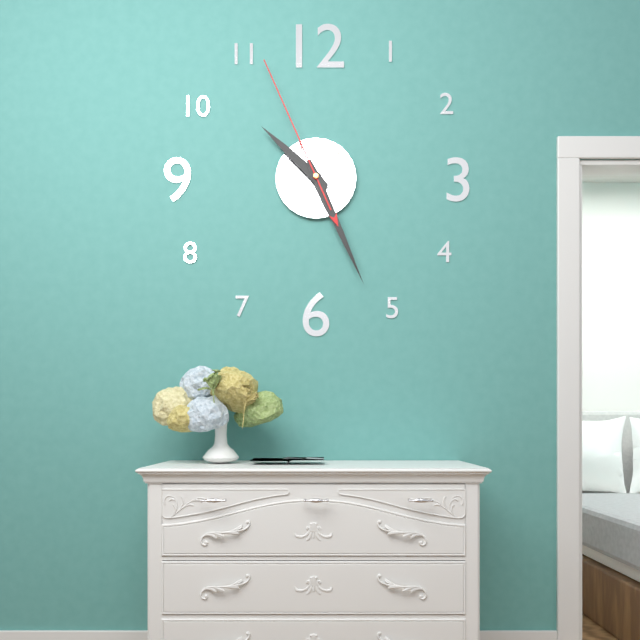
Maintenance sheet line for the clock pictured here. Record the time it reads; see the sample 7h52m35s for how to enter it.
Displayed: 10h26m56s
